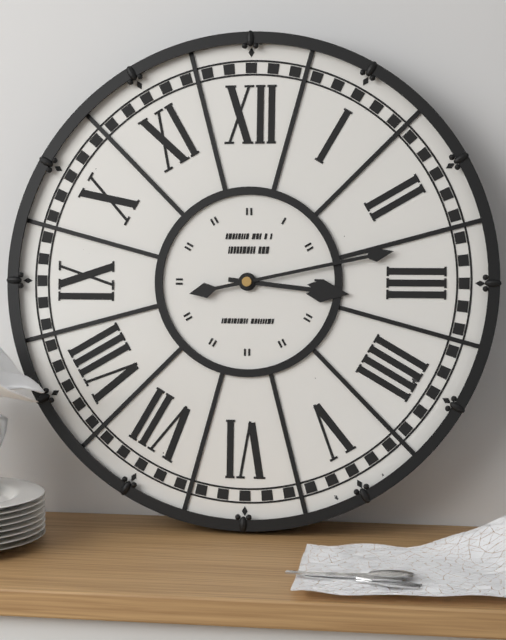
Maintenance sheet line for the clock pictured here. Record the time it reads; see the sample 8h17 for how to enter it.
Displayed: 3h13
